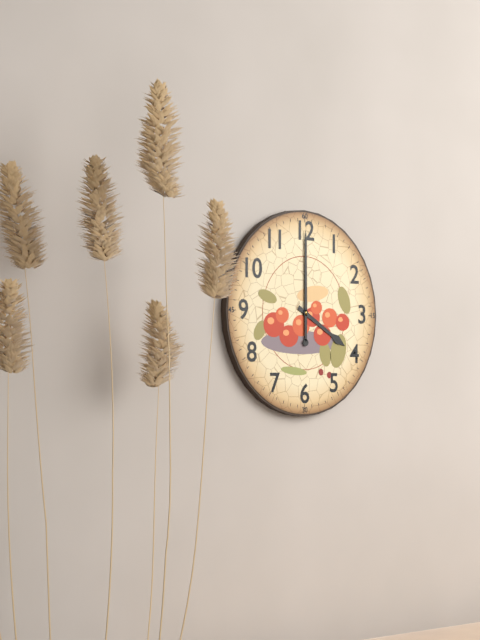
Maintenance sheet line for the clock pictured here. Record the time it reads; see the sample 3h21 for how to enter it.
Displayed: 4h00
